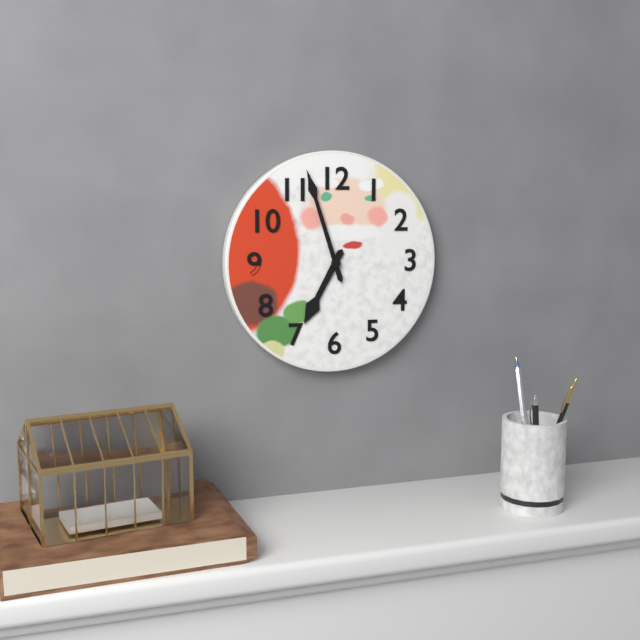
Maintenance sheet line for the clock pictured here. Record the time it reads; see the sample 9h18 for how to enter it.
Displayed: 6h57
